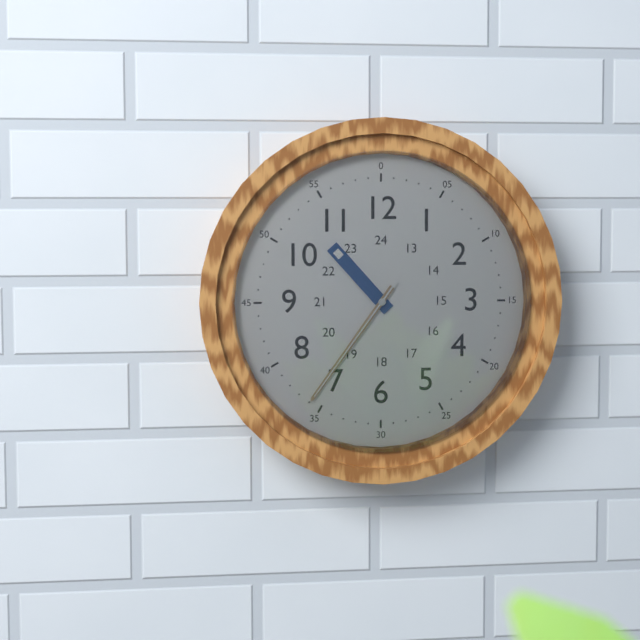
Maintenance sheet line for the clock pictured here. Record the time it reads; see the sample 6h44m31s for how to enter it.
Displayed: 10h36m36s
